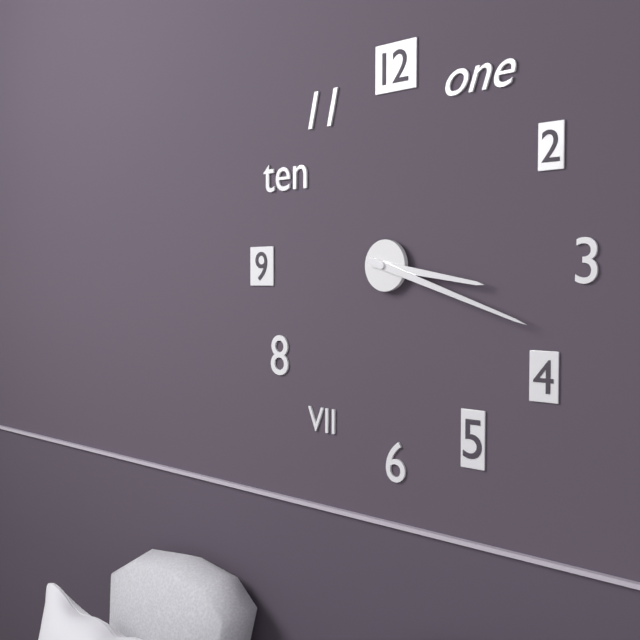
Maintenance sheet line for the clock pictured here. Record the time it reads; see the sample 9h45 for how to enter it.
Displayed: 3h18
